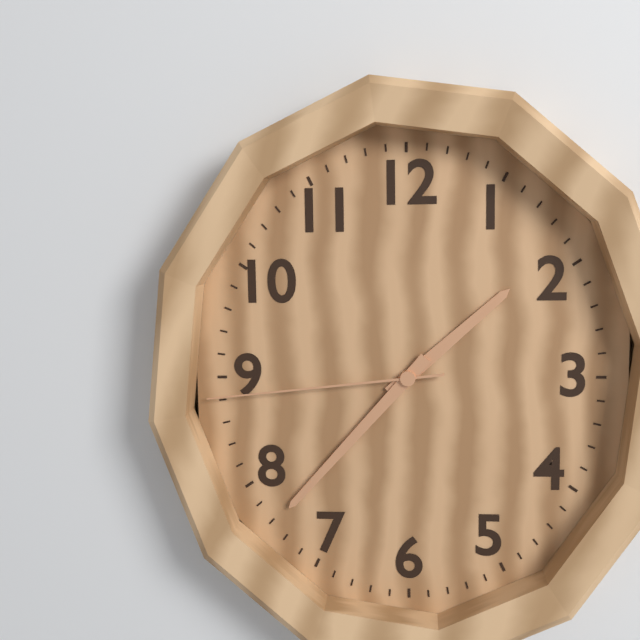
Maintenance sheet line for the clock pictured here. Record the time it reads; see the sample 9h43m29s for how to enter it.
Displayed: 1h37m44s
